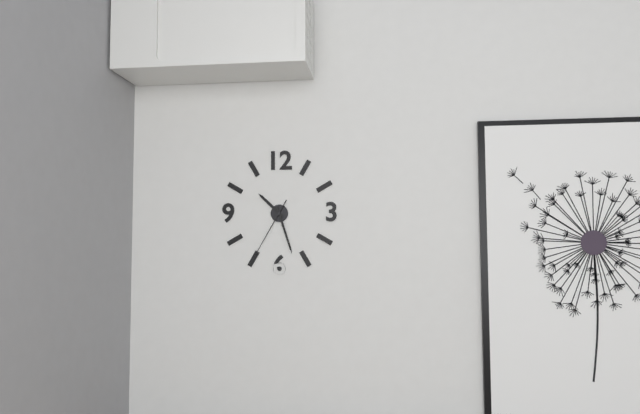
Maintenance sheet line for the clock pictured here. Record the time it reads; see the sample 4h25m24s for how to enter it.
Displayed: 10h27m35s
